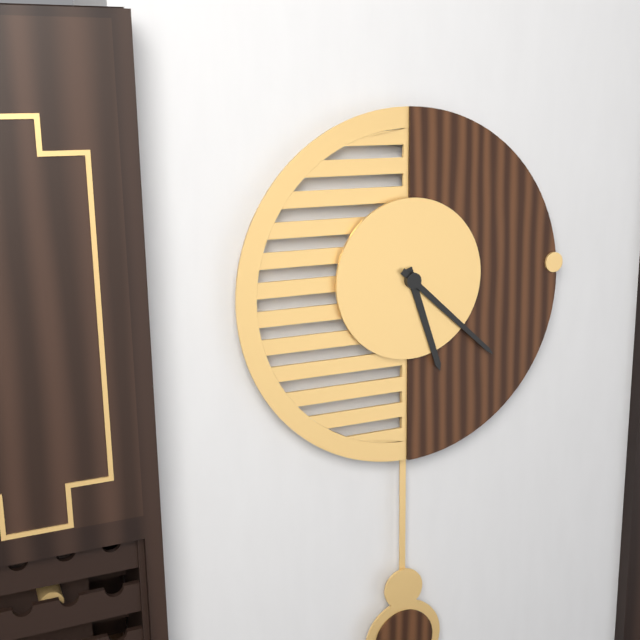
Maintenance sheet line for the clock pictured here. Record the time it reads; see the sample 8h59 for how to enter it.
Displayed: 5h22
